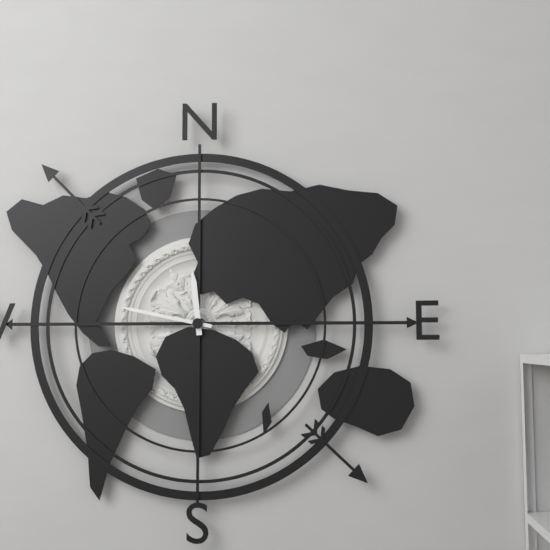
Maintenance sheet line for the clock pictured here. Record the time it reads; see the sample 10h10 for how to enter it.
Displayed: 11h47
